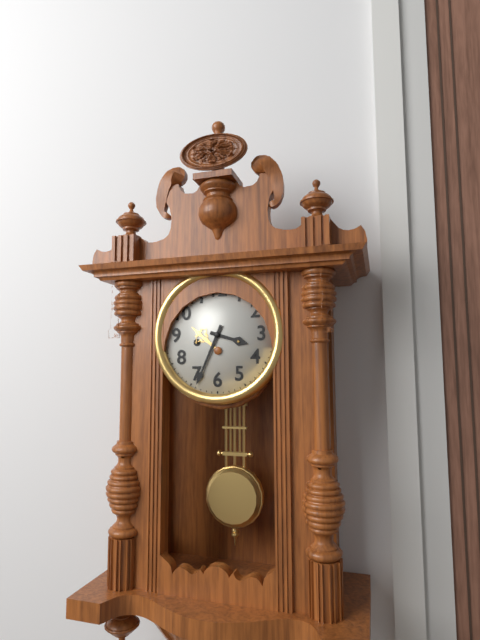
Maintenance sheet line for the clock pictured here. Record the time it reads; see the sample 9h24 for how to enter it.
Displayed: 3h34
